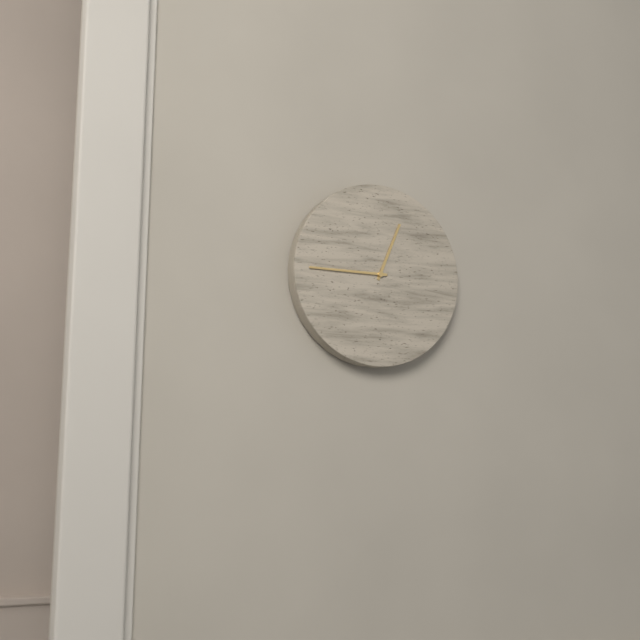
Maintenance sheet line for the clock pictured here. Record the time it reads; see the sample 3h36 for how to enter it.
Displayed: 12h45
